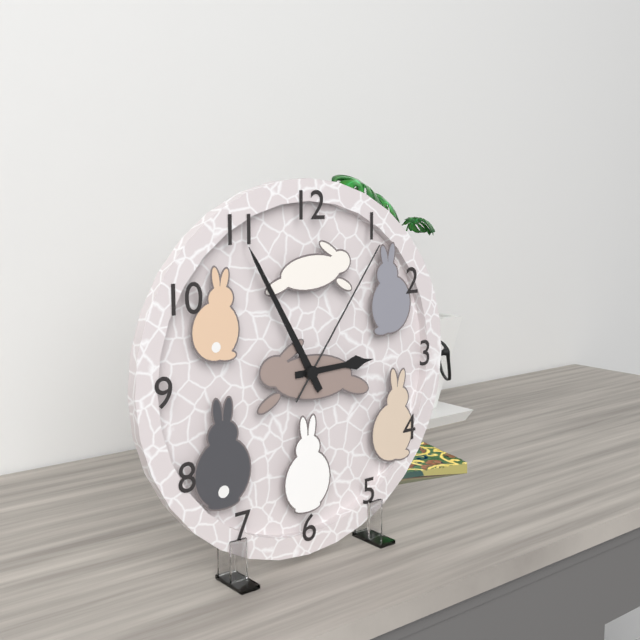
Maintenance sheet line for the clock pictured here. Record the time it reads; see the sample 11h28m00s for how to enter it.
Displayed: 2h55m06s
